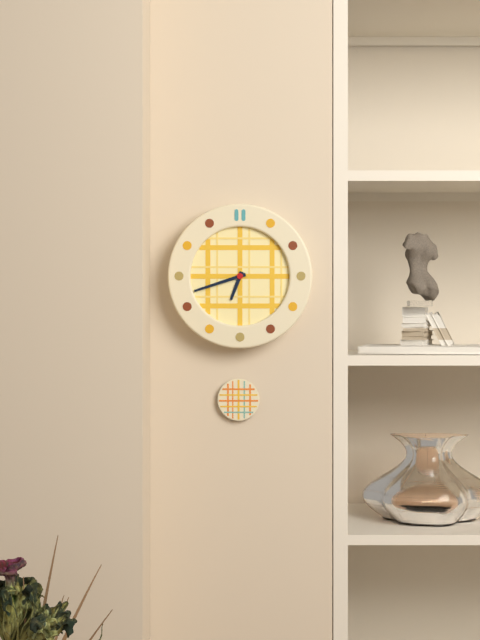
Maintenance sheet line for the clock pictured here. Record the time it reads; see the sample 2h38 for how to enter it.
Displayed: 6h42
